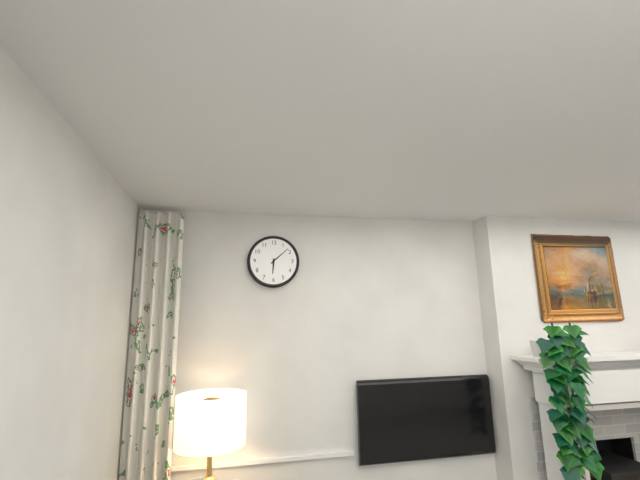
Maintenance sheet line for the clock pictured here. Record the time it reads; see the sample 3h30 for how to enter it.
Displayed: 6h08
